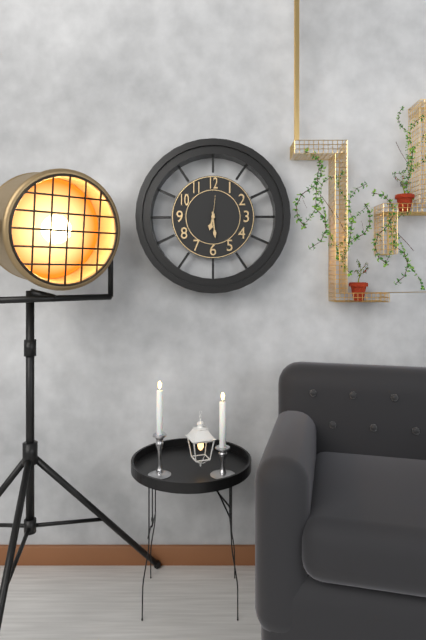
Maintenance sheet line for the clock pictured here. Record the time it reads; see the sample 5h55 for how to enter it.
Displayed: 6h29
